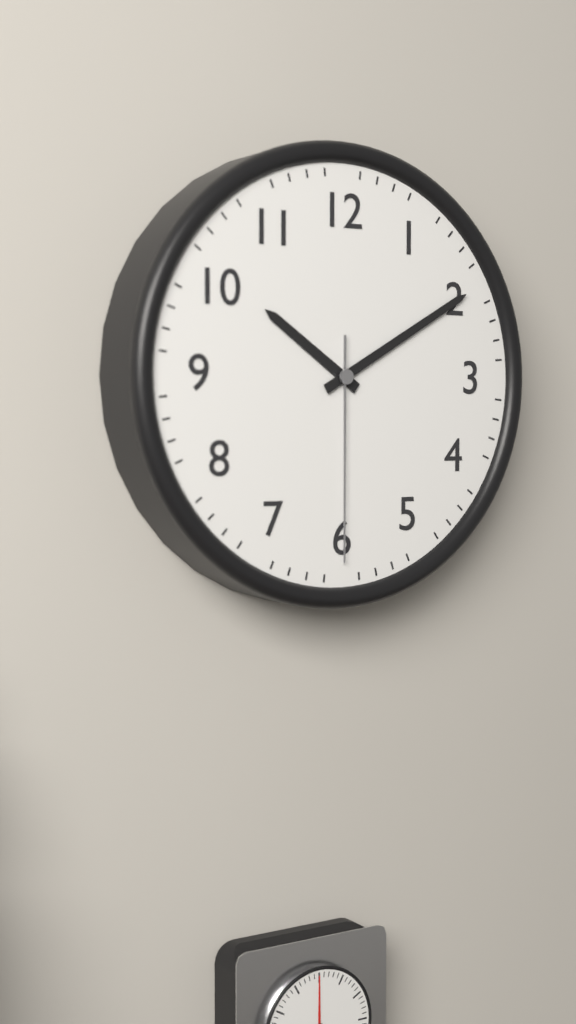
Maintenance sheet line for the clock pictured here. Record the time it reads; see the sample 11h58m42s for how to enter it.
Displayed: 10h10m30s
